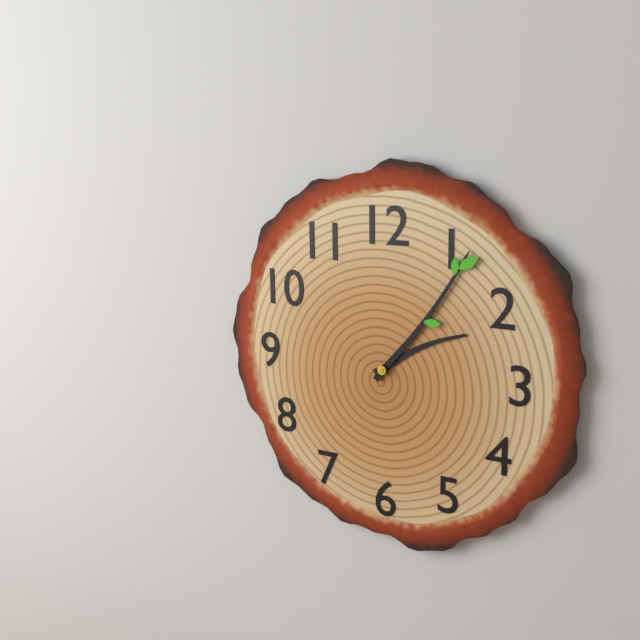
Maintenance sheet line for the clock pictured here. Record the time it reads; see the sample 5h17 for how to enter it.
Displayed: 2h06
